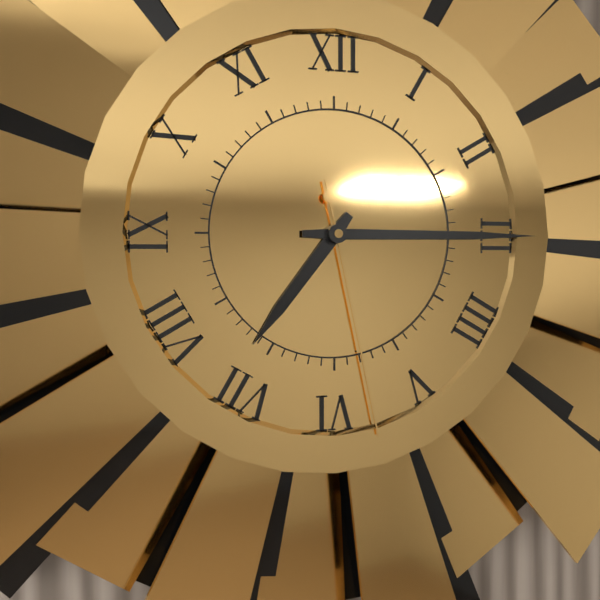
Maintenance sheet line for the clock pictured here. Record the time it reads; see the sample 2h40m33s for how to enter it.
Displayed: 7h15m28s
